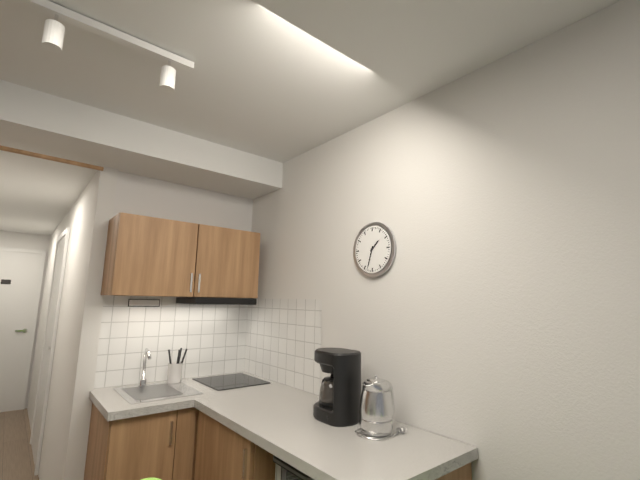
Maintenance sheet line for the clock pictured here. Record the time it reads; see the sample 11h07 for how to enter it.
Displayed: 1h33
